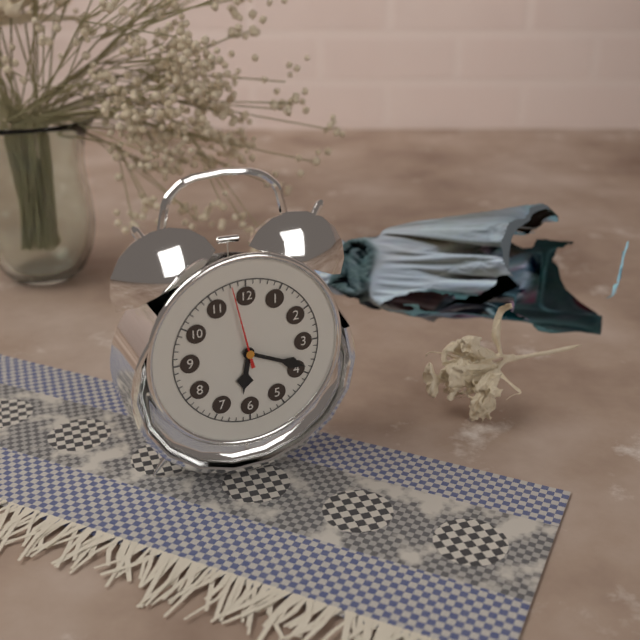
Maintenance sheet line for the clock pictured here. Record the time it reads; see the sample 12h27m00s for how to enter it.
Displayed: 6h19m58s
